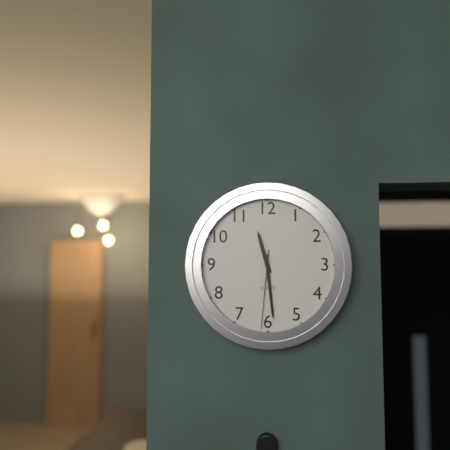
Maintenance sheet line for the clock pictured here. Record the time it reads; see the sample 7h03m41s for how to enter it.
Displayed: 11h29m31s
